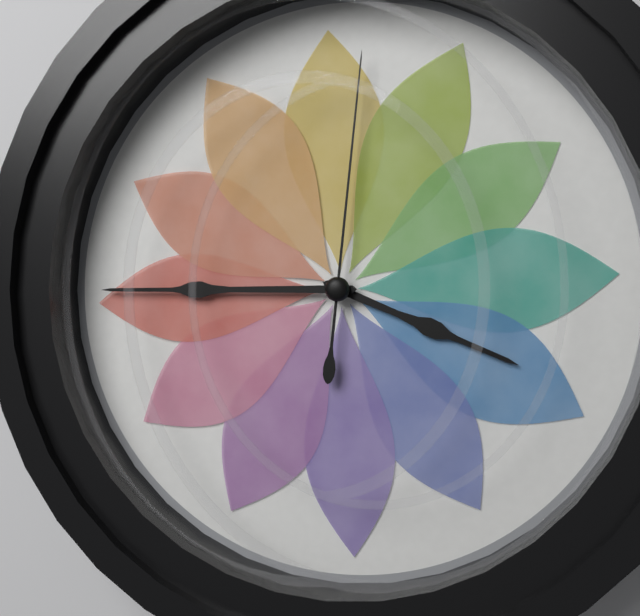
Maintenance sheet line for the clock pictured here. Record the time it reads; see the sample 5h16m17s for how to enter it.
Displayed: 3h45m01s
